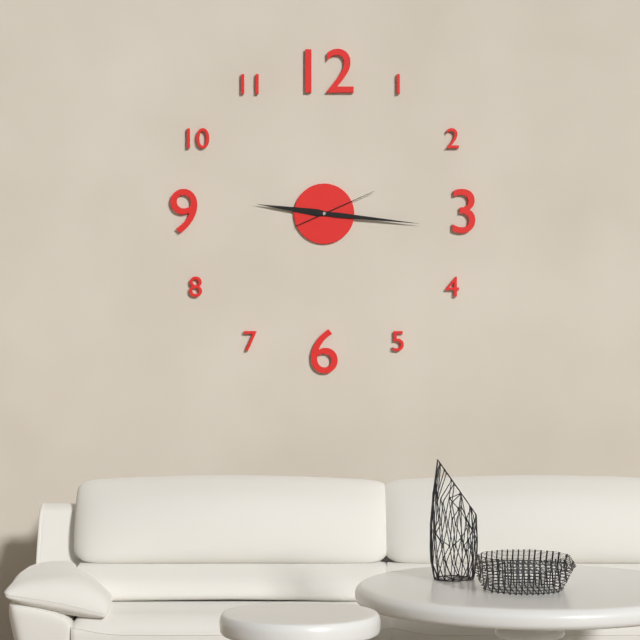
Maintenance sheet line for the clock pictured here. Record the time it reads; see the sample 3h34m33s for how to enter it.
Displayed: 9h16m11s
